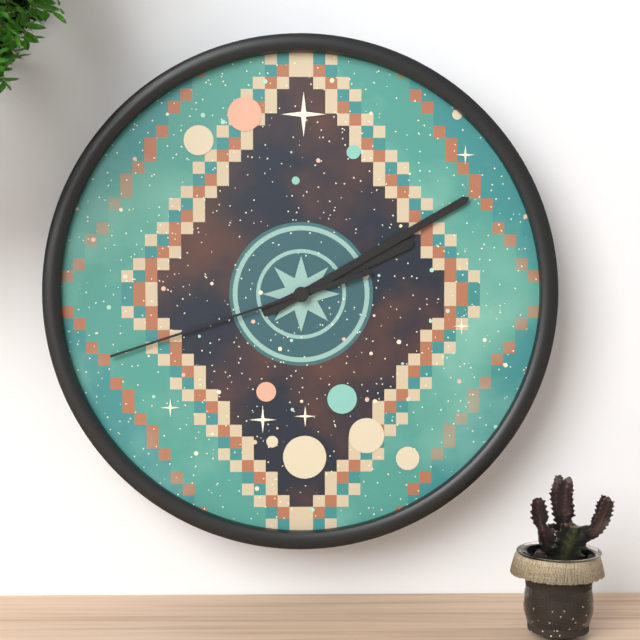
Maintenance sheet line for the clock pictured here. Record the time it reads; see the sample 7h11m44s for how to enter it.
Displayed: 2h10m42s
